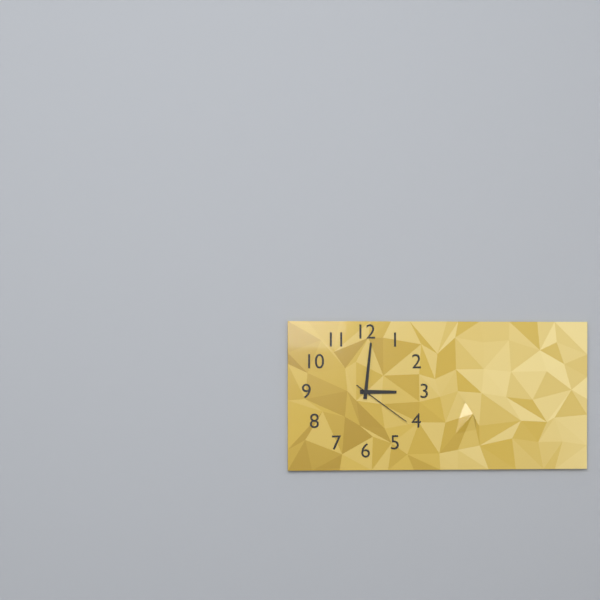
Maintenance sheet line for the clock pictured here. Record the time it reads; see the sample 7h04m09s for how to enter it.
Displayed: 3h01m21s
